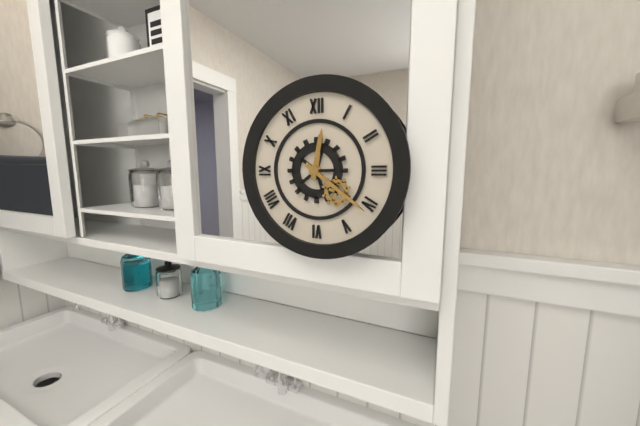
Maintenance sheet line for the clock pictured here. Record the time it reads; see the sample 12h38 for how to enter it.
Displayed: 12h21
